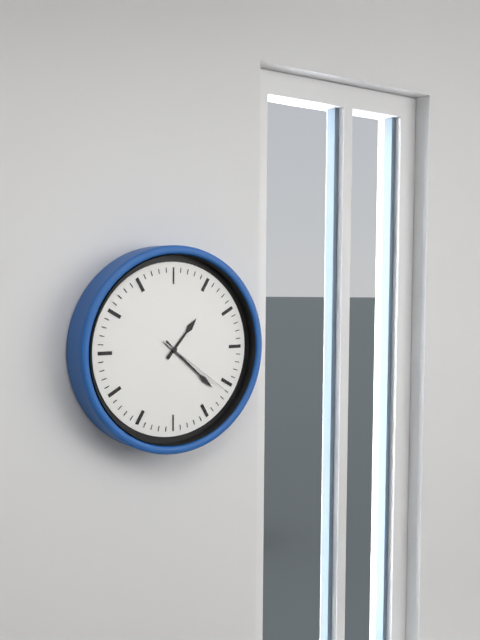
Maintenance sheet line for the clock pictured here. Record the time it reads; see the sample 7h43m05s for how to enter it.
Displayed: 1h22m21s
